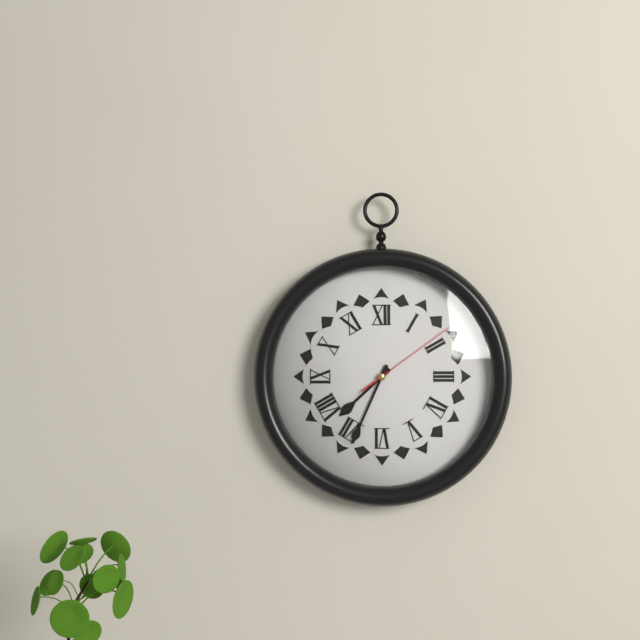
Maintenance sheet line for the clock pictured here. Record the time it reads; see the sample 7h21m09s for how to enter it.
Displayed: 7h34m09s
